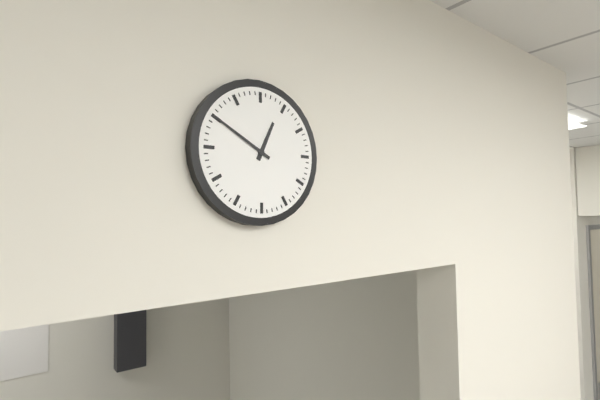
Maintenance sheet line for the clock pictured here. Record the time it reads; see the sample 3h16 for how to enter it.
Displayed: 12h50
